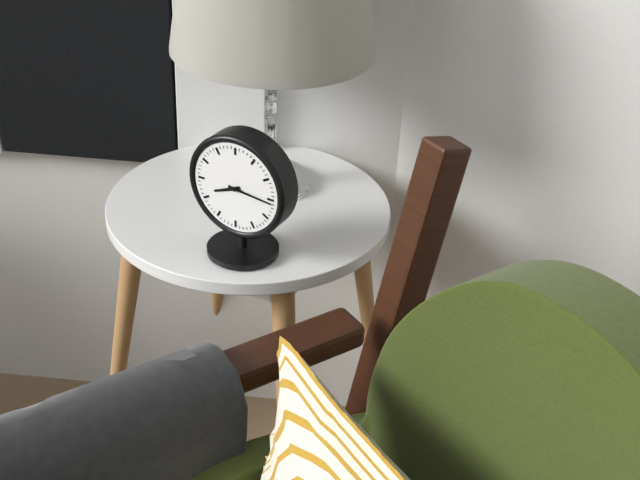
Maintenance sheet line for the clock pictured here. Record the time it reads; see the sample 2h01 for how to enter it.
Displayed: 8h16
